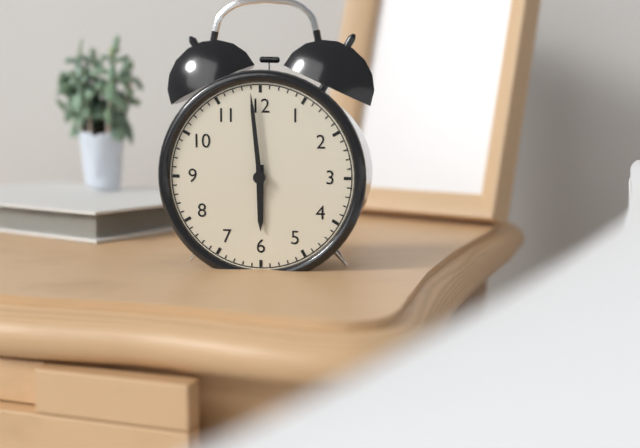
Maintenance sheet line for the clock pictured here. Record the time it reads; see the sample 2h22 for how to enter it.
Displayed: 5h59
